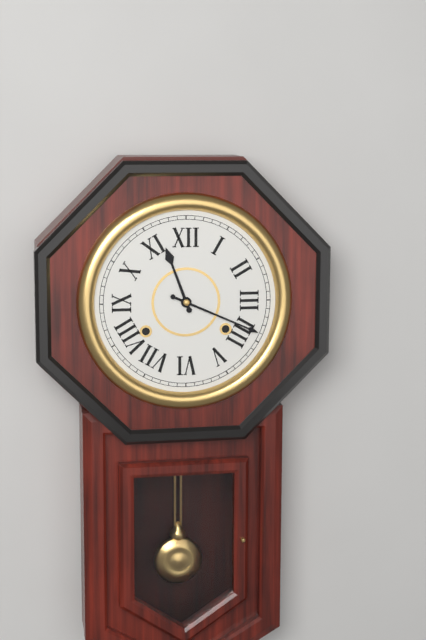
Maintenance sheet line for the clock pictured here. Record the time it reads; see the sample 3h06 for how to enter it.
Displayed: 11h19
